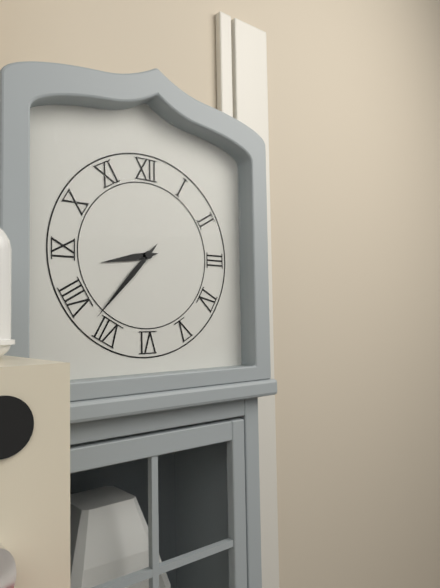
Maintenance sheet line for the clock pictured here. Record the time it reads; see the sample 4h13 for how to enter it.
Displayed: 8h37
